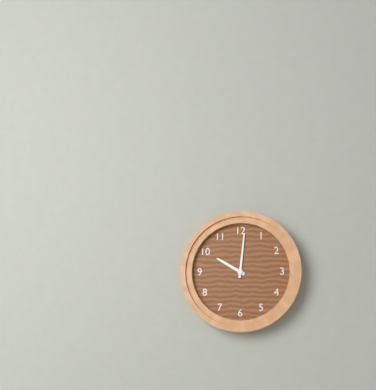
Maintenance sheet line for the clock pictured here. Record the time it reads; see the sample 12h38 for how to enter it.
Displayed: 10h01
